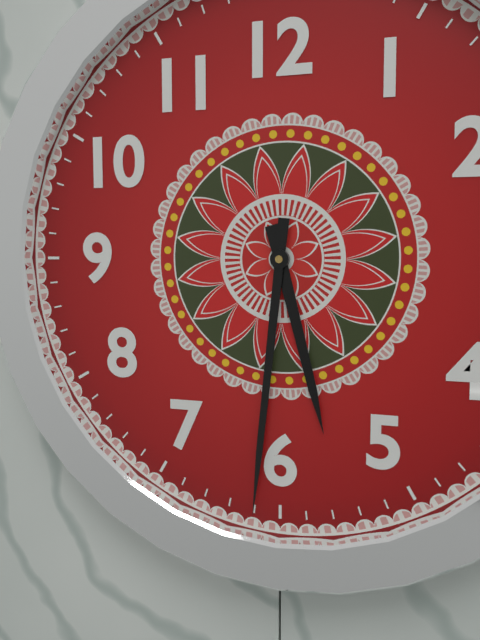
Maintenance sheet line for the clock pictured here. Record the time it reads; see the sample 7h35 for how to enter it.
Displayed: 5h31
